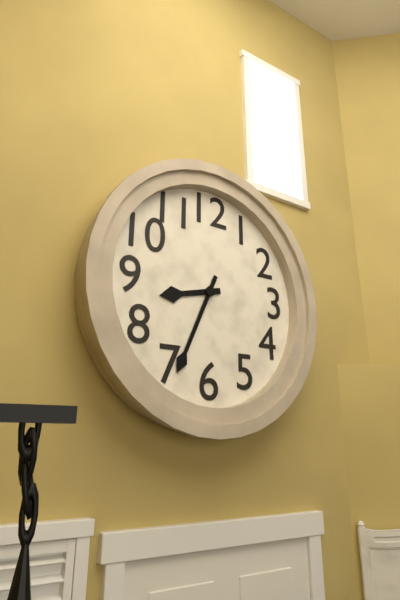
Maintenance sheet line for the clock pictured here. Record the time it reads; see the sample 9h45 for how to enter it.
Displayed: 8h34
